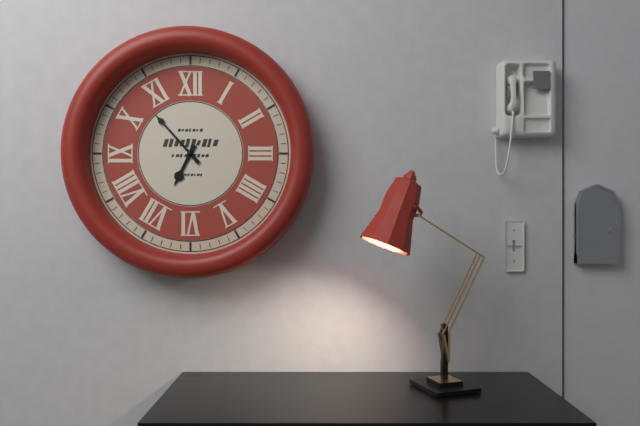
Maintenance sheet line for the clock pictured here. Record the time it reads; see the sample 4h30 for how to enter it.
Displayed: 6h53
